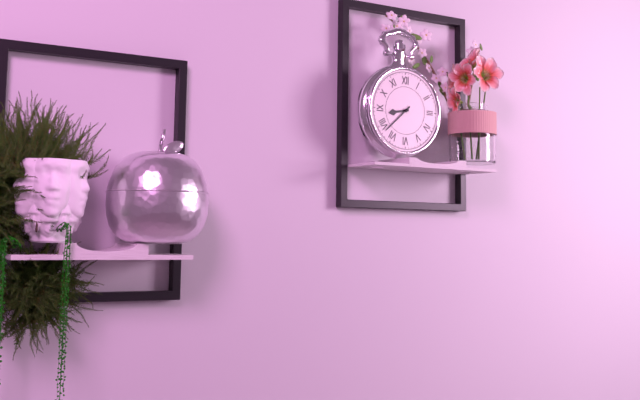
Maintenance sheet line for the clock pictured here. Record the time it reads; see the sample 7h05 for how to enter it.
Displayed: 8h38
